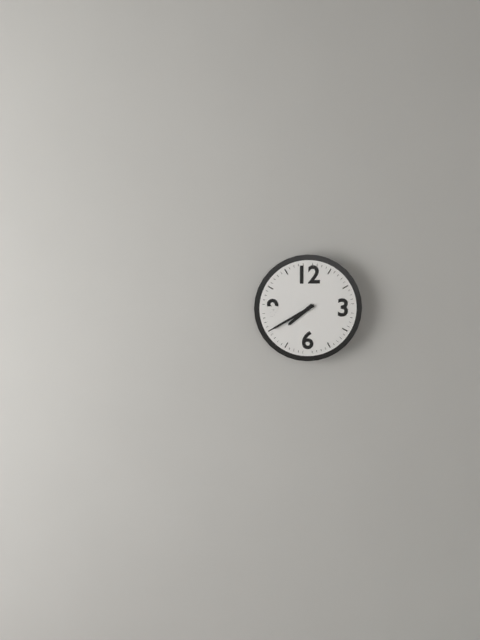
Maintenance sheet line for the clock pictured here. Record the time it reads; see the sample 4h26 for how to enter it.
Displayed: 7h40
